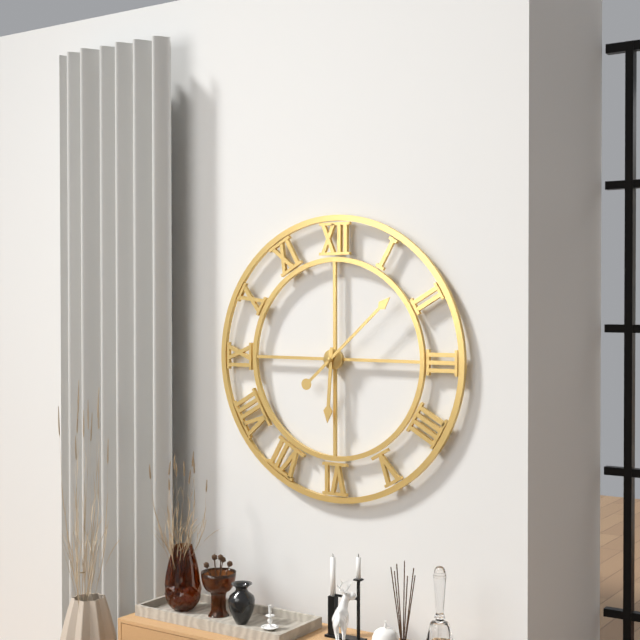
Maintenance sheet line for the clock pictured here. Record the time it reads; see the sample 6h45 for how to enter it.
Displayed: 6h08
